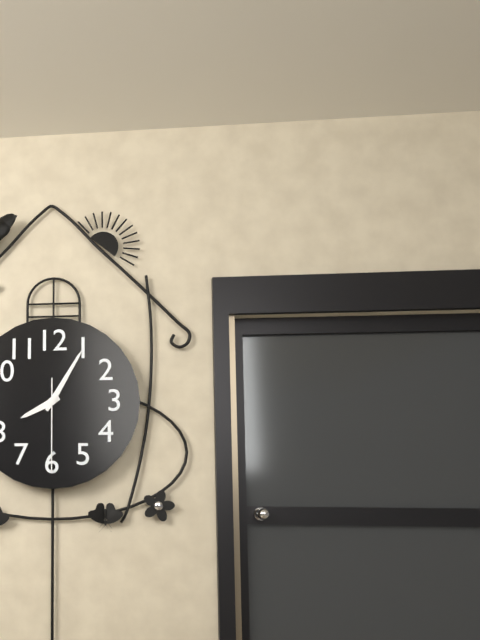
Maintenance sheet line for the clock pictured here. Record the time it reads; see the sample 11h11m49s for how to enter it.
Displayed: 8h05m30s
